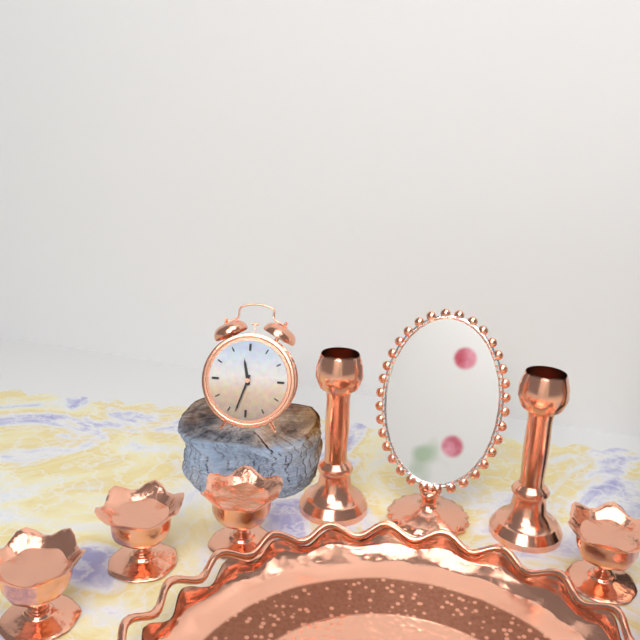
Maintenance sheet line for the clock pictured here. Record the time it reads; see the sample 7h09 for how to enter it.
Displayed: 11h33
